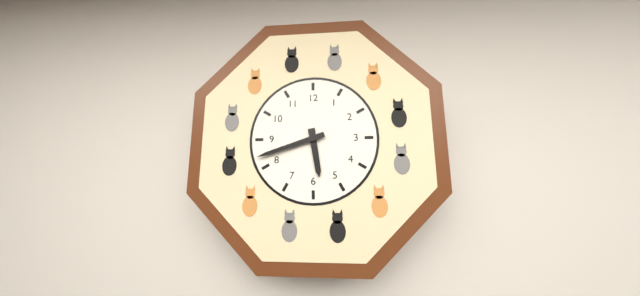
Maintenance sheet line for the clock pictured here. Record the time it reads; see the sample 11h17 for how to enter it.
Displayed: 5h42
